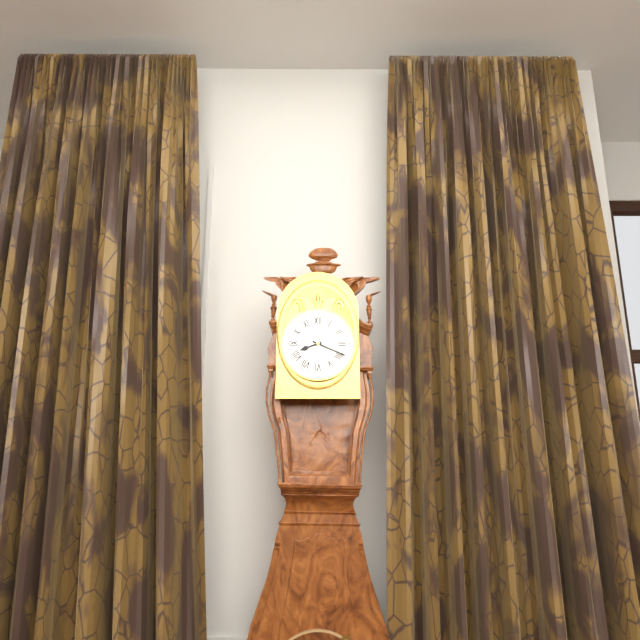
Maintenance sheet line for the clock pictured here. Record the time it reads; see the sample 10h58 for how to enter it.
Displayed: 8h19
